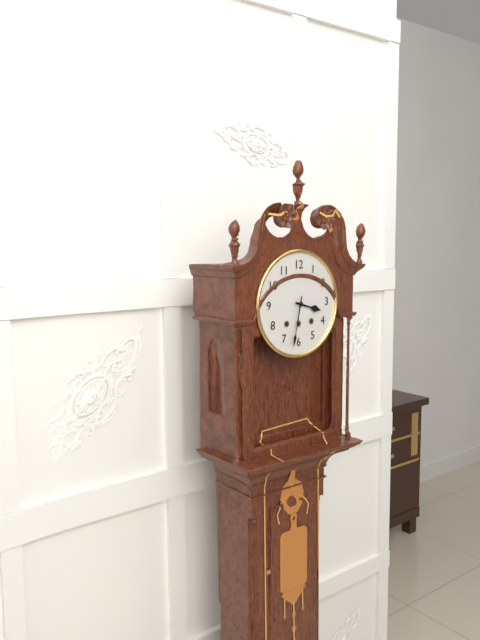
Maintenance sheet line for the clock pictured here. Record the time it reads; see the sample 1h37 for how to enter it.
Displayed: 3h32
